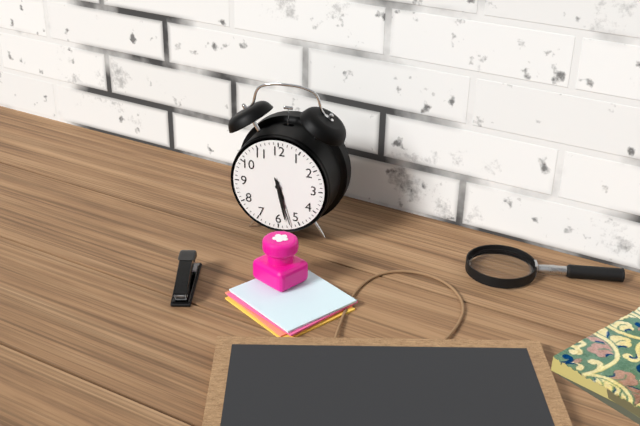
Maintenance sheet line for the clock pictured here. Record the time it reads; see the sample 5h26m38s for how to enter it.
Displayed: 5h28m27s
